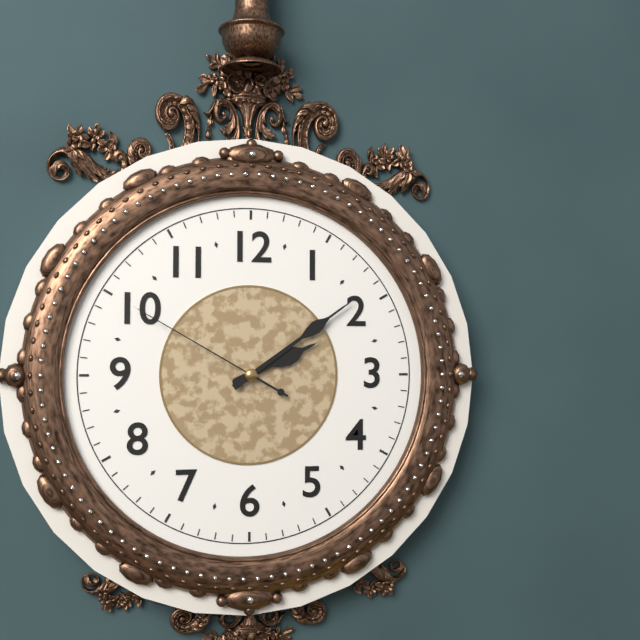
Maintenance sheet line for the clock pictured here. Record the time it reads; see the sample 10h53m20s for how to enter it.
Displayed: 2h09m50s
